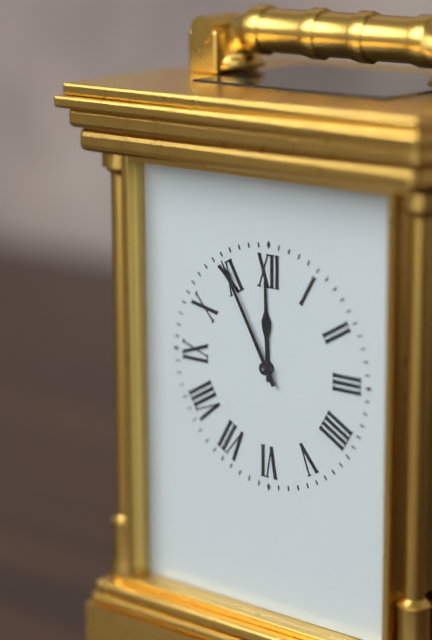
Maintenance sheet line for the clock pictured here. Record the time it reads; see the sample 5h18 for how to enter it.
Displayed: 11h55
